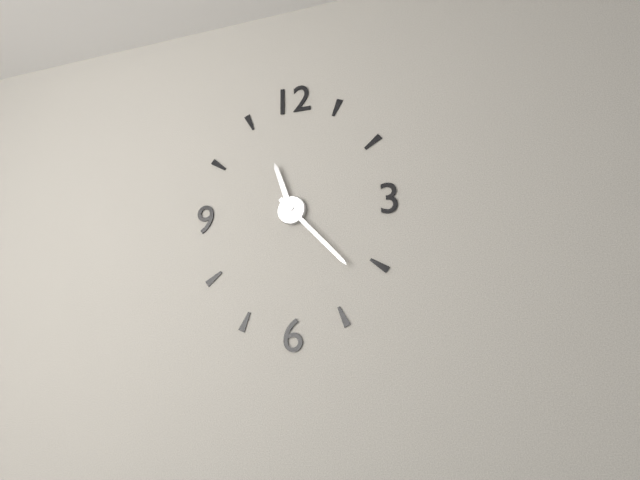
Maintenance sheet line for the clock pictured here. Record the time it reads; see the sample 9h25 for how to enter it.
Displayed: 11h23
